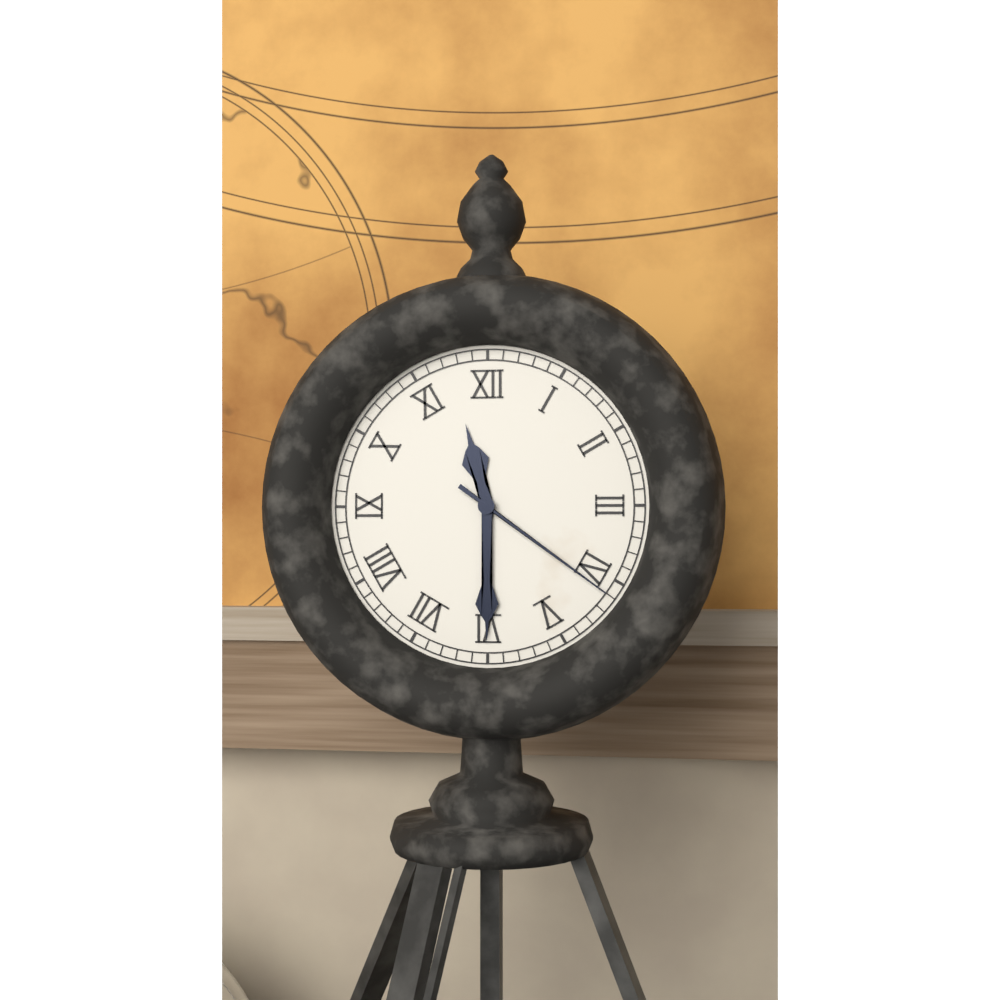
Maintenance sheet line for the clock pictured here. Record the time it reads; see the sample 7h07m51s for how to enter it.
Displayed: 11h30m21s
